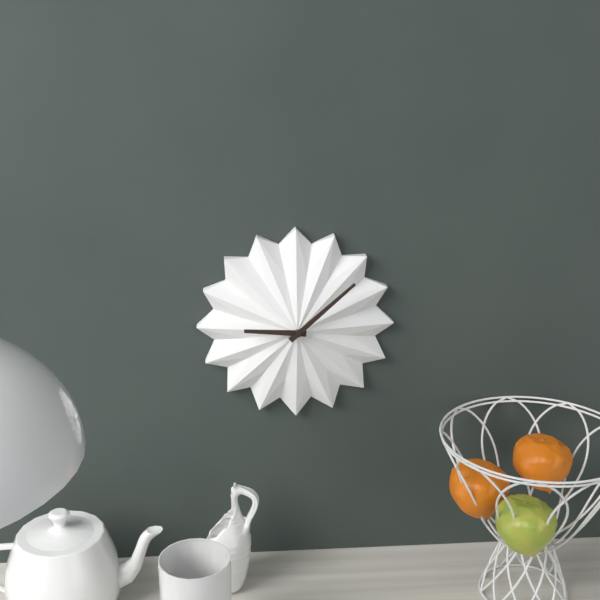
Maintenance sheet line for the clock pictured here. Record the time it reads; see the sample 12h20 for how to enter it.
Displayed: 9h08
